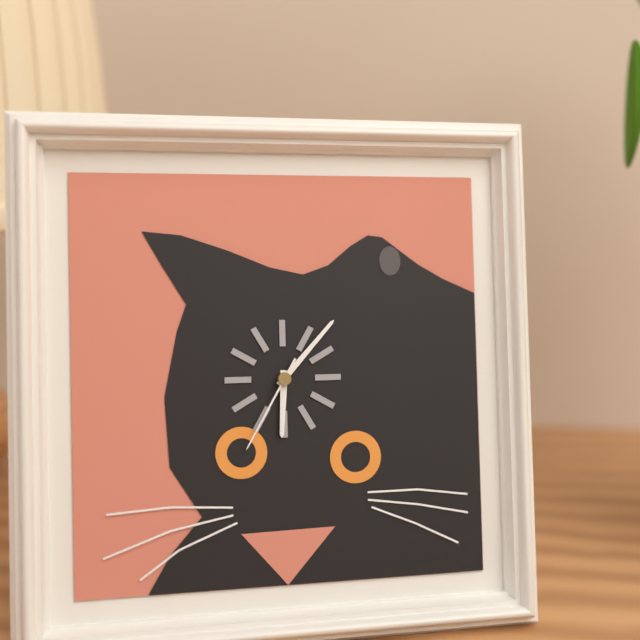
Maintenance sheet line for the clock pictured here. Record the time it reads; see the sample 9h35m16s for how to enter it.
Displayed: 6h07m35s
